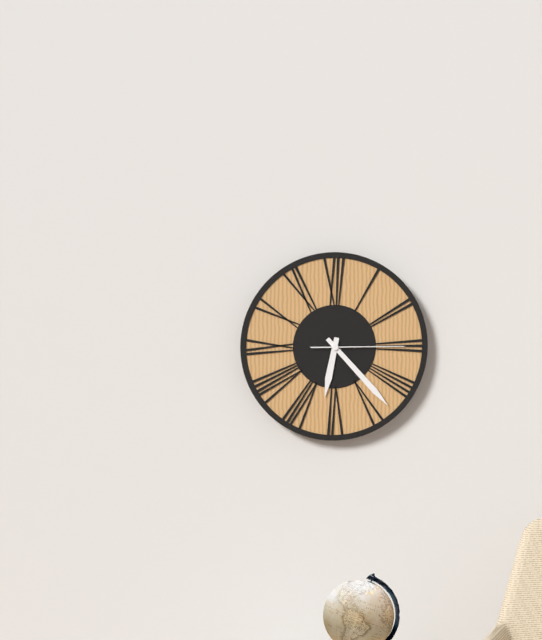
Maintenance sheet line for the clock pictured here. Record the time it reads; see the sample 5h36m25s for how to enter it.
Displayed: 6h23m15s
